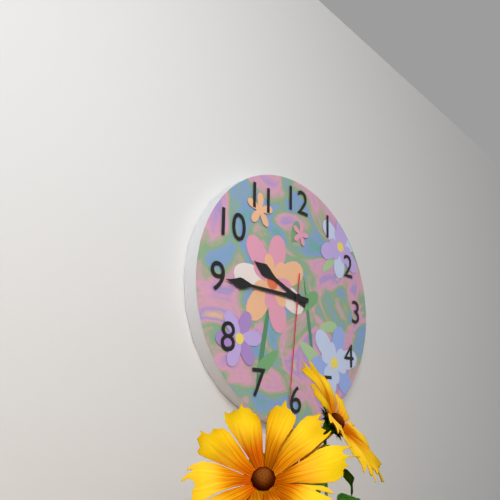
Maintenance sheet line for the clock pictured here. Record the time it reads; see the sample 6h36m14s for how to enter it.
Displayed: 9h45m31s
